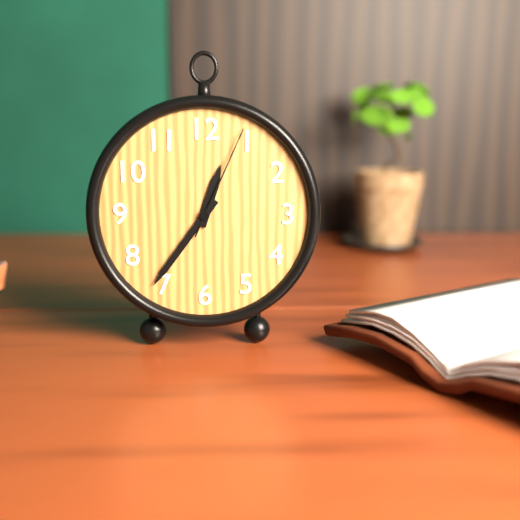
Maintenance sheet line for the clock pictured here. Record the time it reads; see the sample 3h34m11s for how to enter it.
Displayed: 12h36m04s
